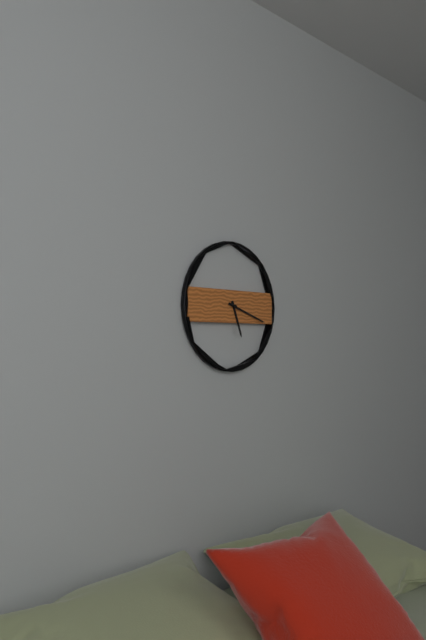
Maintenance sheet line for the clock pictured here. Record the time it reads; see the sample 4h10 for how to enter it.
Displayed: 5h18
